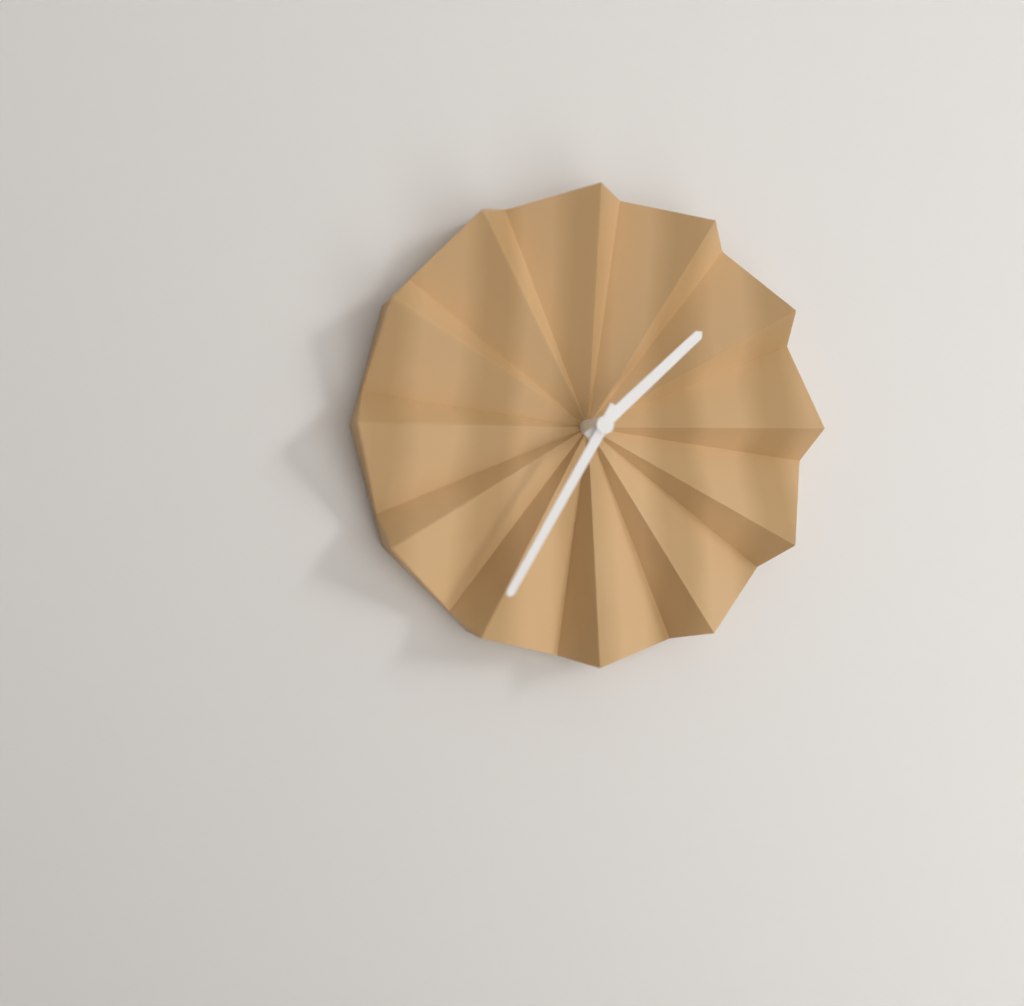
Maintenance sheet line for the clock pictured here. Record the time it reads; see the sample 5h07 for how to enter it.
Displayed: 1h35
